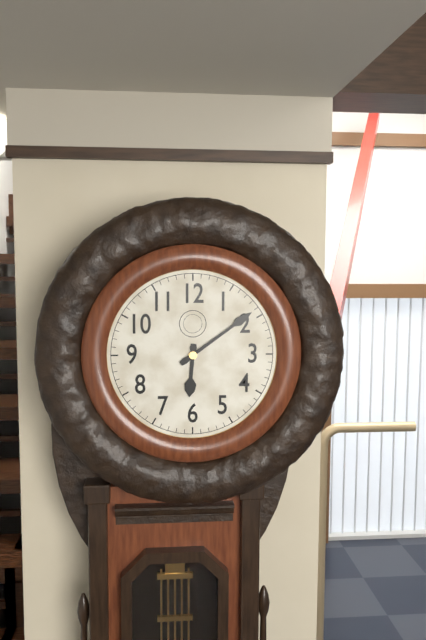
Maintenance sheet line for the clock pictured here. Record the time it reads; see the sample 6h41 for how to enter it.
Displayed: 6h09
